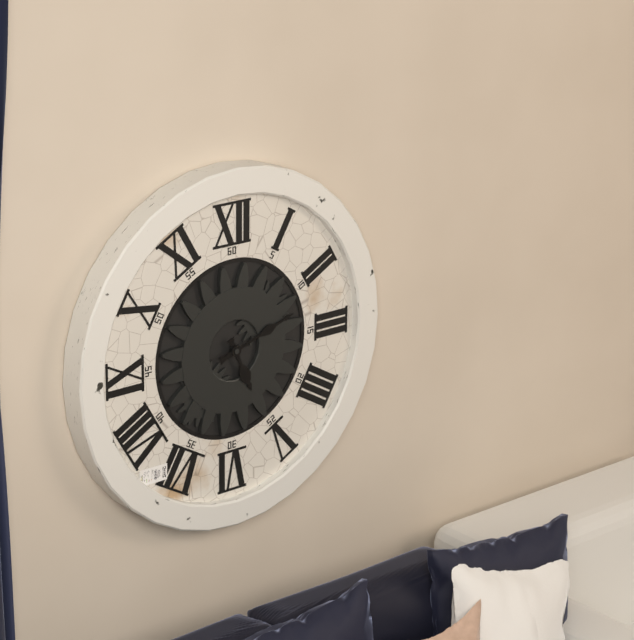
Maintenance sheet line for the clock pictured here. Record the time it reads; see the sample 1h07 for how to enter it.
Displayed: 5h12
